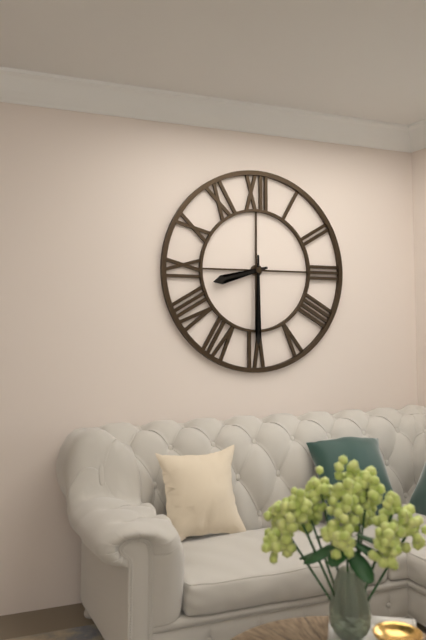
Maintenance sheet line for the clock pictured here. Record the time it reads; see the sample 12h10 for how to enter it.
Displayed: 8h30
